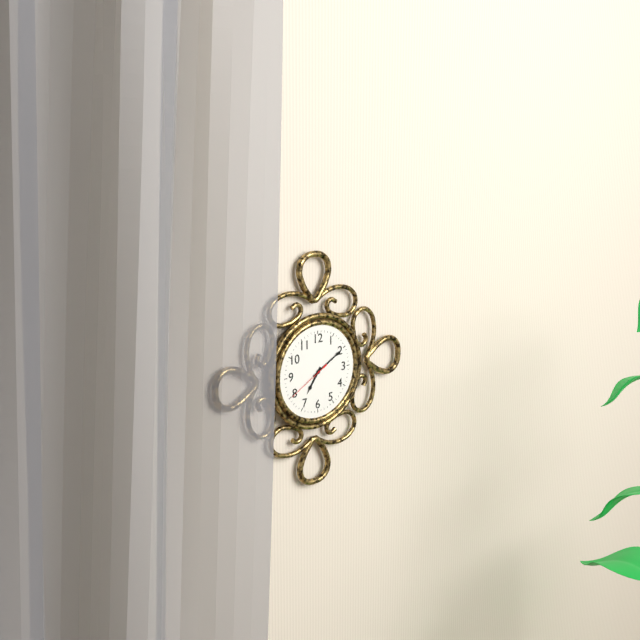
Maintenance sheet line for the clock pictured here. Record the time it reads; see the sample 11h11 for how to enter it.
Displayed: 7h10
